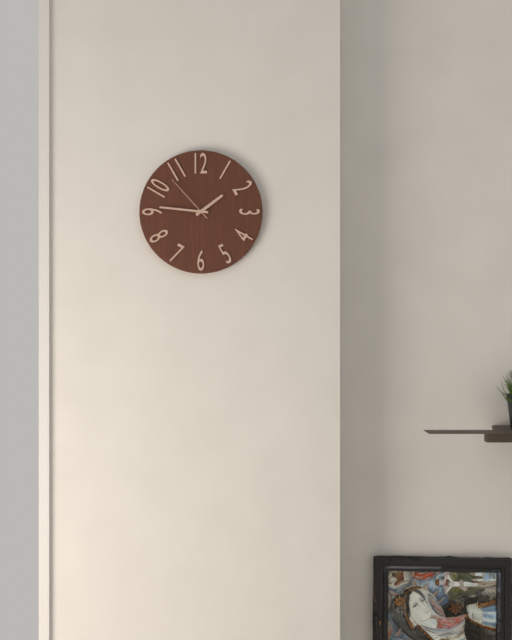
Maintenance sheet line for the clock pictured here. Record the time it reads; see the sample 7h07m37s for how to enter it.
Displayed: 1h46m53s
